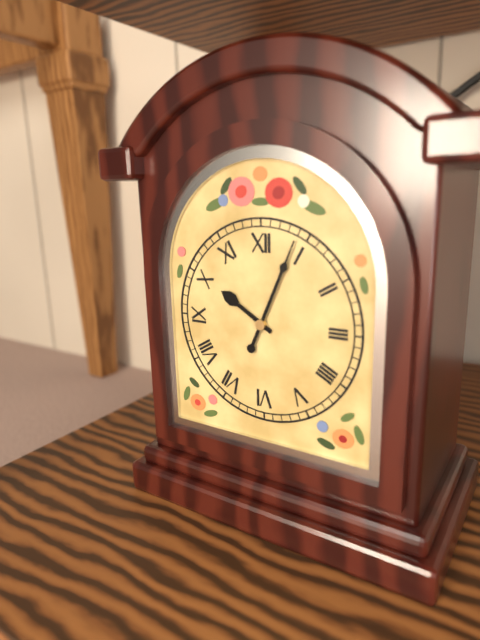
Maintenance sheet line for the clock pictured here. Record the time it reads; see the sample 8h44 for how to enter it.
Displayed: 10h04
